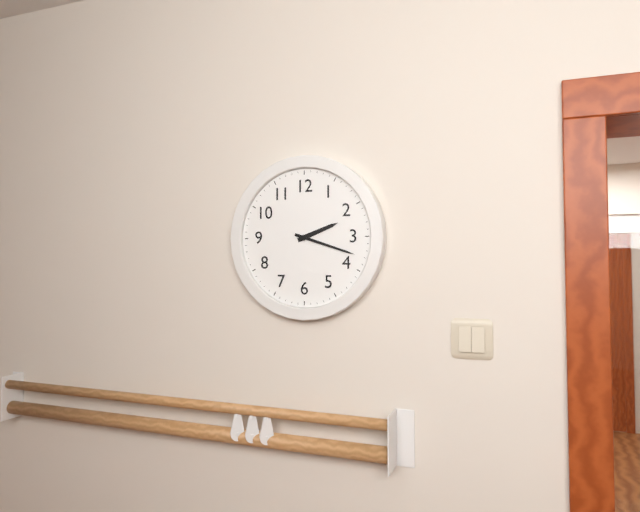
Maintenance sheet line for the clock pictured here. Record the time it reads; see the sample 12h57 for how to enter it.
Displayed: 2h18
